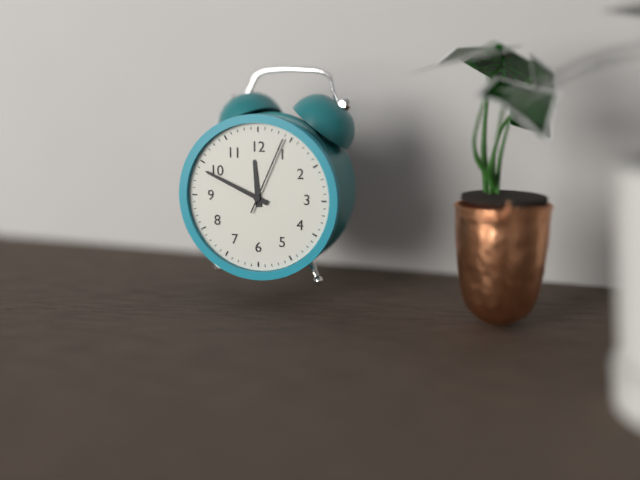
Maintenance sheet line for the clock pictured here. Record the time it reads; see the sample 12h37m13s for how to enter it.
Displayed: 11h49m04s
